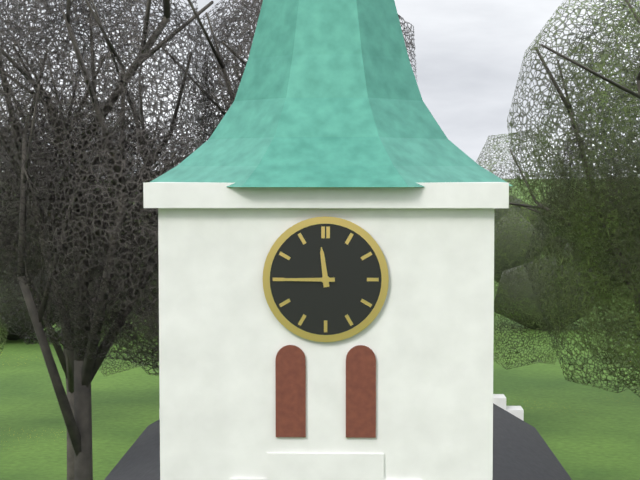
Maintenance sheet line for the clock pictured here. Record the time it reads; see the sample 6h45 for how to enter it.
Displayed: 11h45
